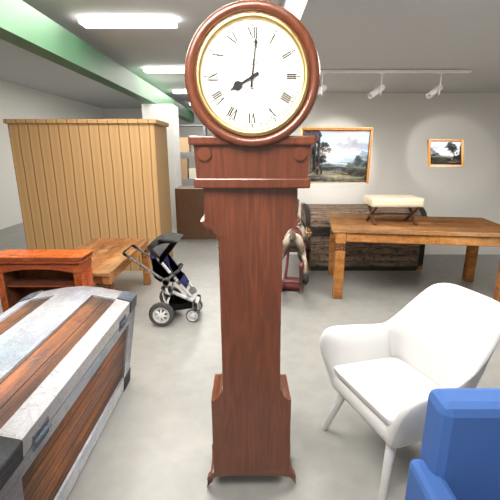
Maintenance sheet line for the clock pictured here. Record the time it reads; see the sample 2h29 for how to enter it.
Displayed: 8h01
